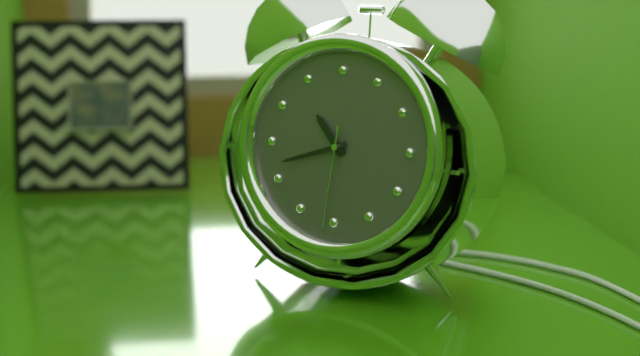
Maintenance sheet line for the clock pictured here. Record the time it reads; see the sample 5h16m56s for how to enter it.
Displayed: 10h42m31s
